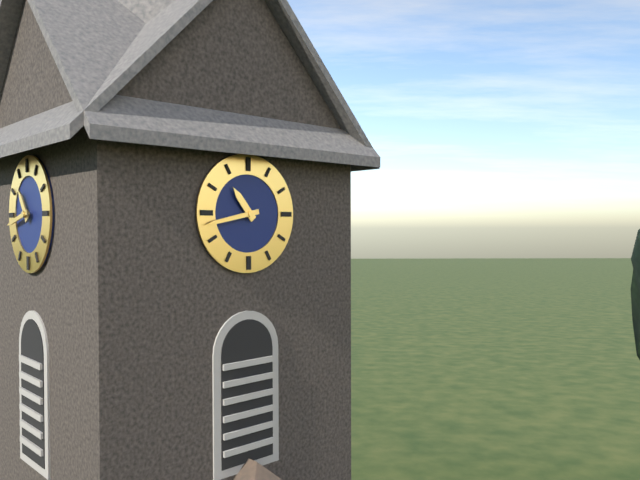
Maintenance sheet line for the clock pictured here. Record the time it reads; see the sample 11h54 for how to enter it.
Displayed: 10h43
